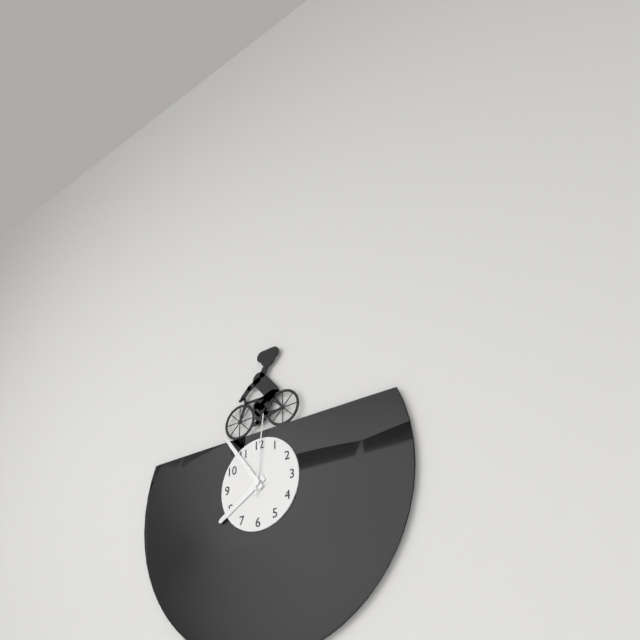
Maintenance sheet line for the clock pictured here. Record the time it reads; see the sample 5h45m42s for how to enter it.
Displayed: 7h54m01s
